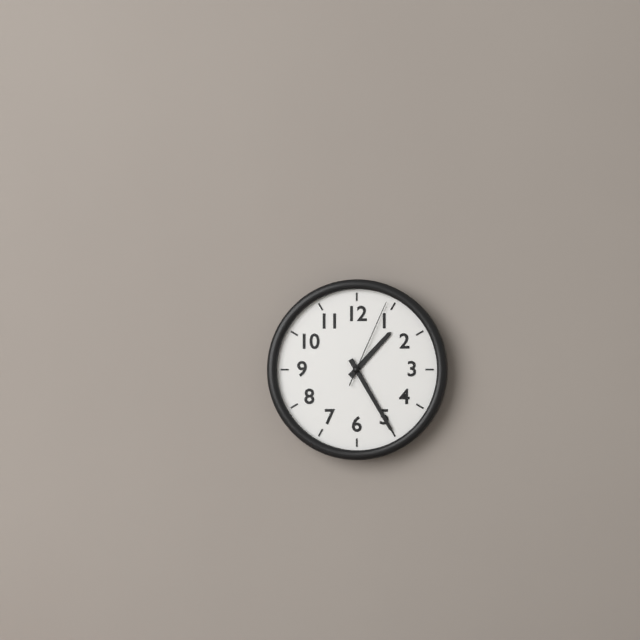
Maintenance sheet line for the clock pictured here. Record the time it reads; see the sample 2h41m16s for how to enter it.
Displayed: 1h25m04s
